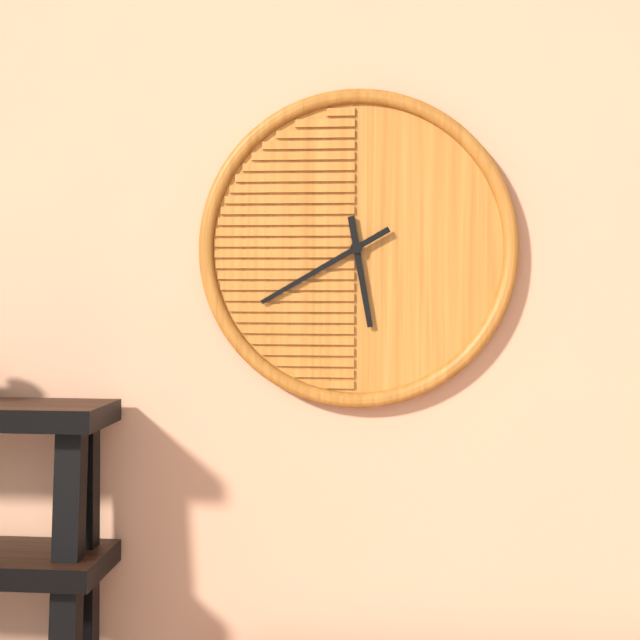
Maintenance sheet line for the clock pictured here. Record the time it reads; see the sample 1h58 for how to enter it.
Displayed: 5h40
